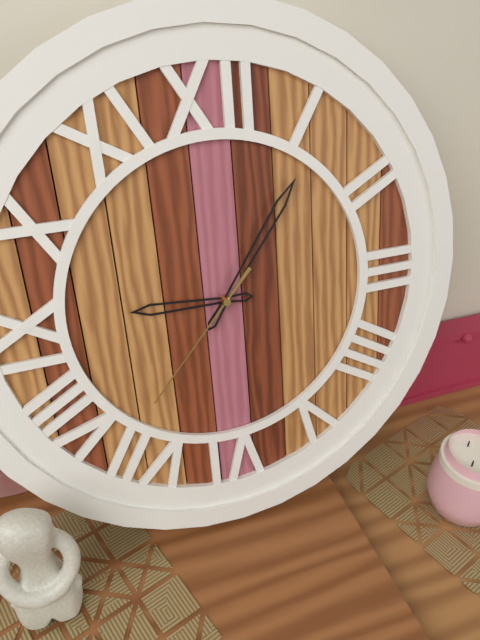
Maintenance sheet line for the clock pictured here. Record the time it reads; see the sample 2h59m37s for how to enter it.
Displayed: 9h06m37s
